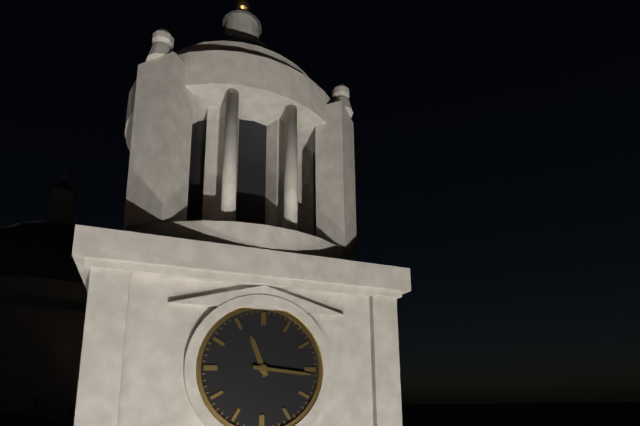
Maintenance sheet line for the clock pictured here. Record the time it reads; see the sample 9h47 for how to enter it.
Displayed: 11h16
